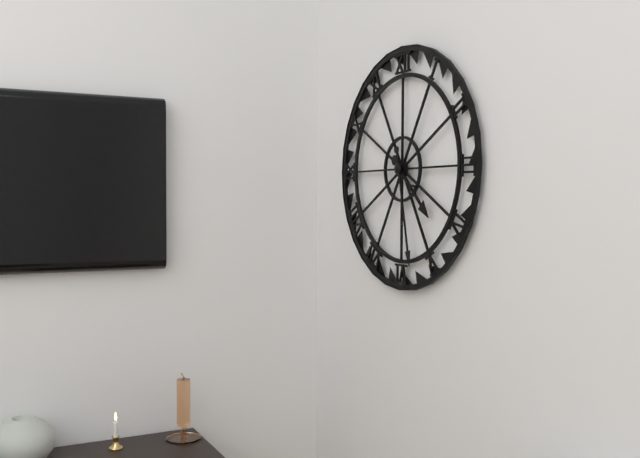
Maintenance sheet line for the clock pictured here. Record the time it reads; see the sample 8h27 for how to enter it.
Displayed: 4h28
